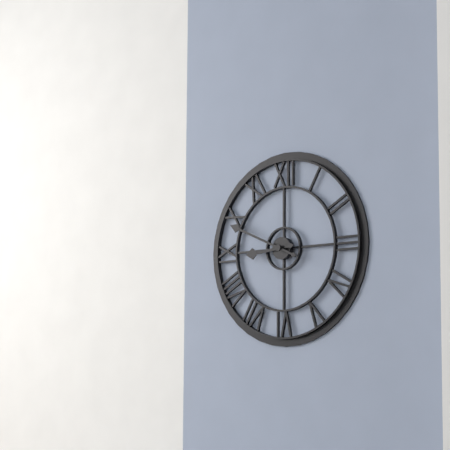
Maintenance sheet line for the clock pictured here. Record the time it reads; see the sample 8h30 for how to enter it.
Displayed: 8h49
